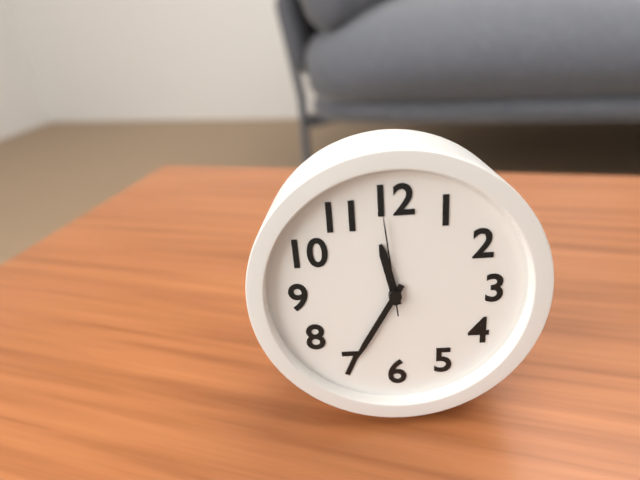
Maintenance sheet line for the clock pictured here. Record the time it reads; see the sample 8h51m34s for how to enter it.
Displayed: 11h35m59s
